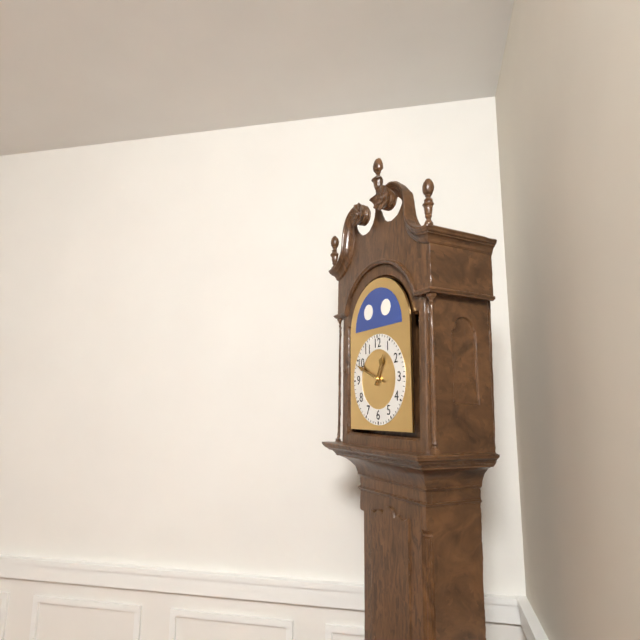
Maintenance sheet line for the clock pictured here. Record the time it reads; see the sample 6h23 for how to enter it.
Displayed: 12h49
